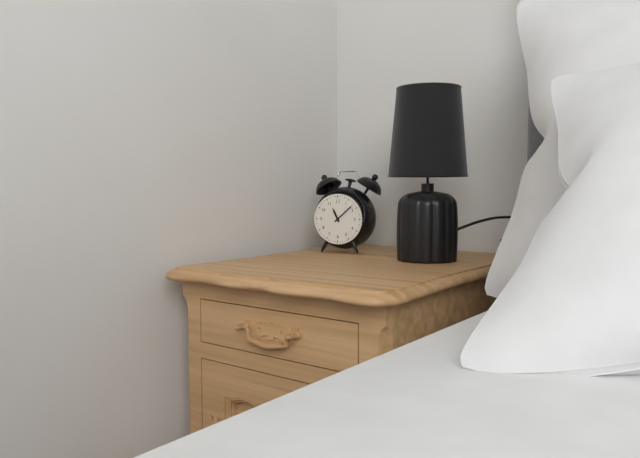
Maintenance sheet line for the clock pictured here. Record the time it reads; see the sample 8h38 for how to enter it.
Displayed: 11h08
